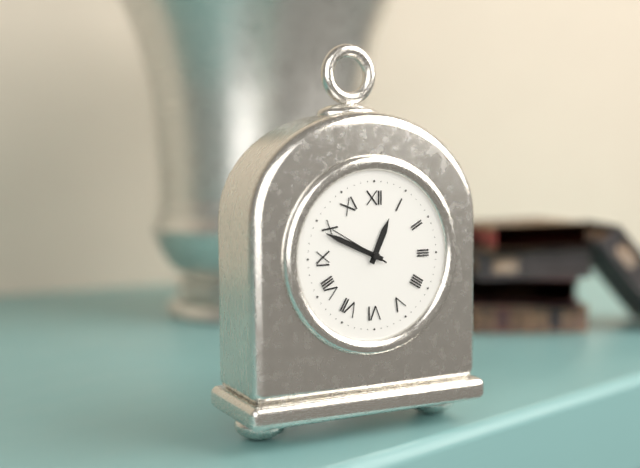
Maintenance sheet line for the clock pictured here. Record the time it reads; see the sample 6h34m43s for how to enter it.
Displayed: 12h49m50s
